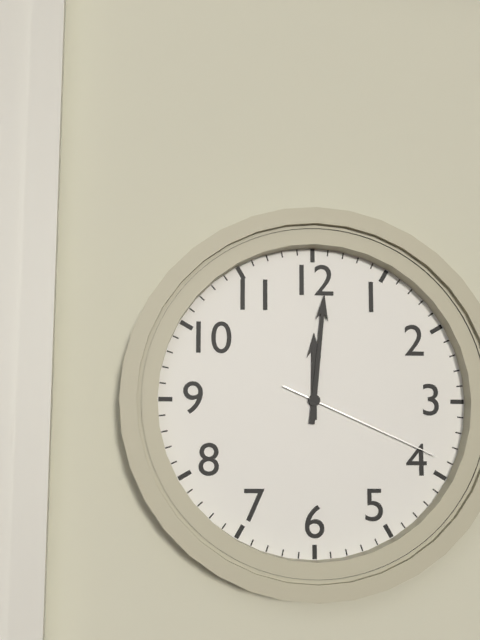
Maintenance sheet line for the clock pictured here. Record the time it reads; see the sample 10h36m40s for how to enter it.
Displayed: 12h01m19s
